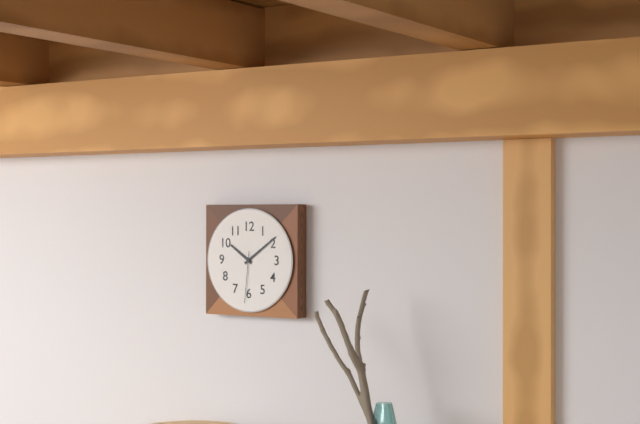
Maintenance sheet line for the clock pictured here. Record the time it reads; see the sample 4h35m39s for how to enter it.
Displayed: 10h09m31s
